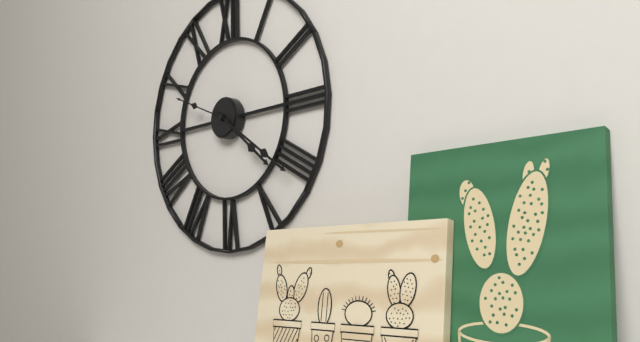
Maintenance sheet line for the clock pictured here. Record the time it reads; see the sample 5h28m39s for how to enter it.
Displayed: 4h21m49s
